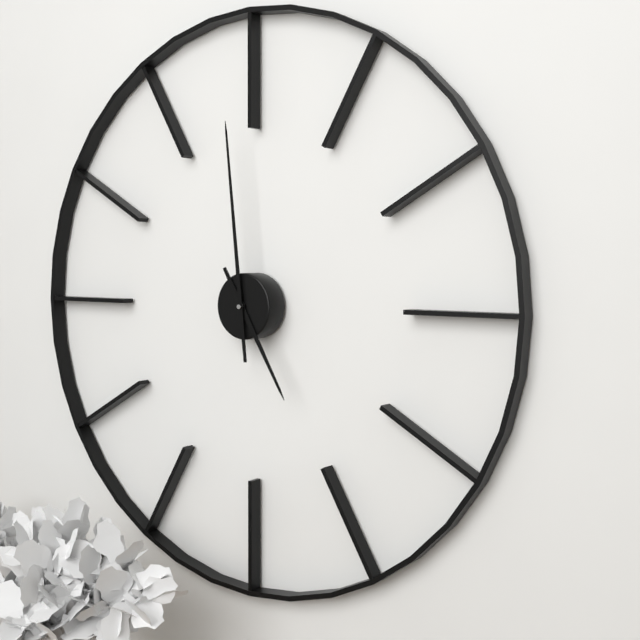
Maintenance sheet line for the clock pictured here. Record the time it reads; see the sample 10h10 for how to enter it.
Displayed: 4h59
